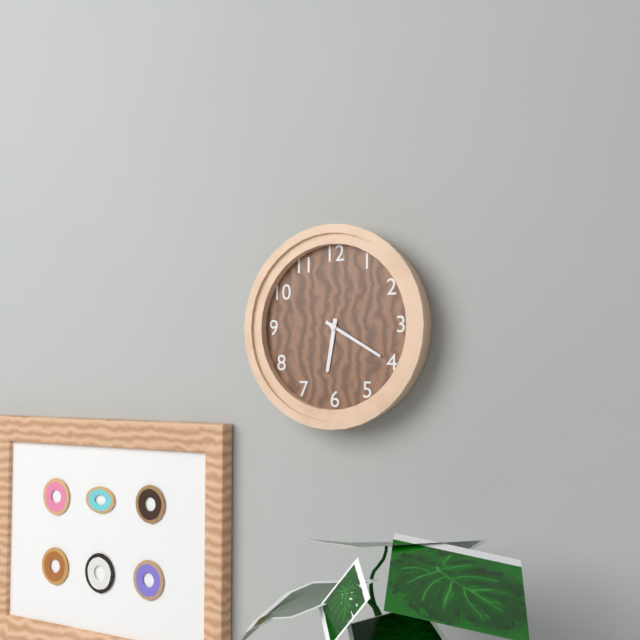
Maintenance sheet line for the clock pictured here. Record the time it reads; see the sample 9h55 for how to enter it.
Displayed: 6h20
